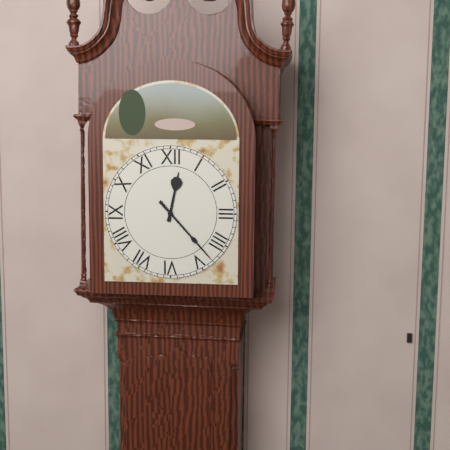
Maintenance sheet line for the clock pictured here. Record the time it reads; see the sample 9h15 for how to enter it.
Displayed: 12h23
